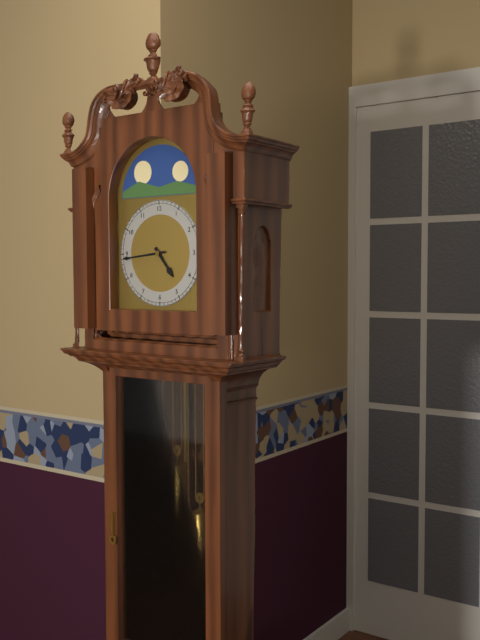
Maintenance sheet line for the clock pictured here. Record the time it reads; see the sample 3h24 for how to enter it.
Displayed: 4h44
